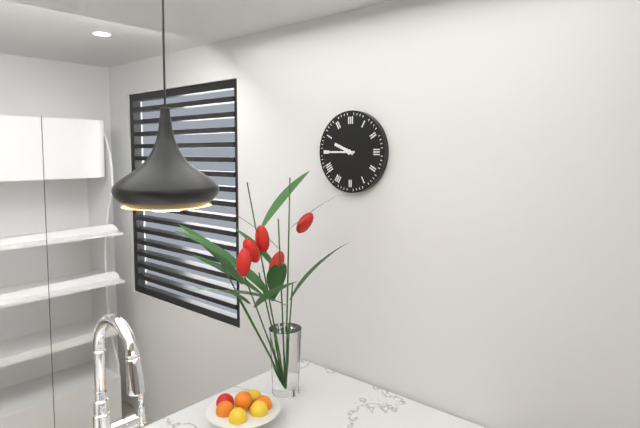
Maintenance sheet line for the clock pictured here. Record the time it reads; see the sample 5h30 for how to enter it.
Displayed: 9h45
